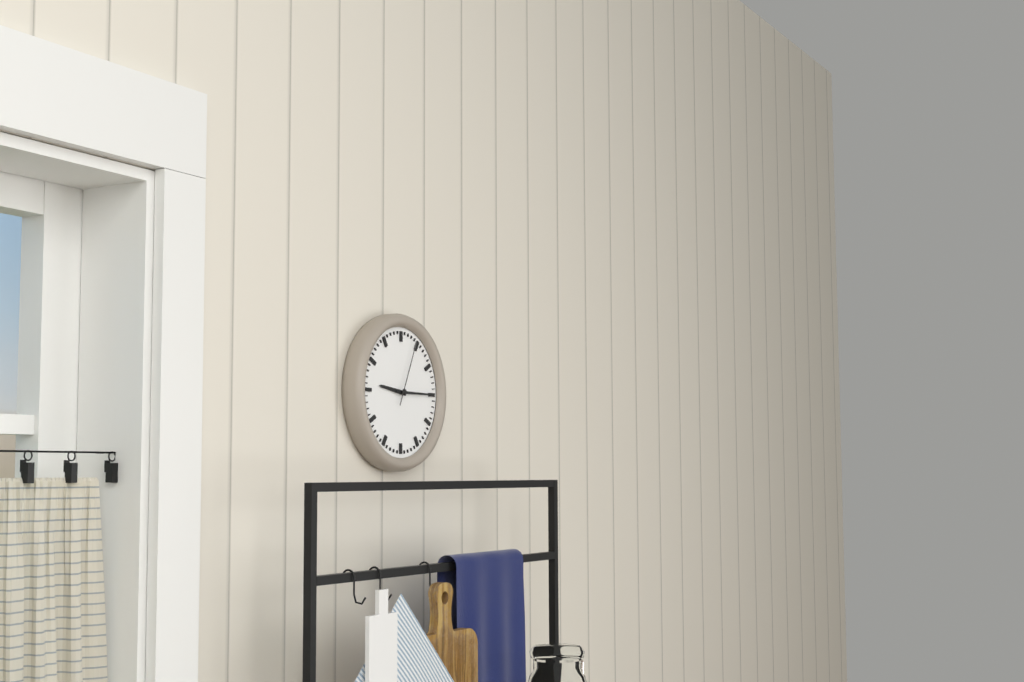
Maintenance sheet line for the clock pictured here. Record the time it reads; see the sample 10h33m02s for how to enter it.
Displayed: 9h15m04s
